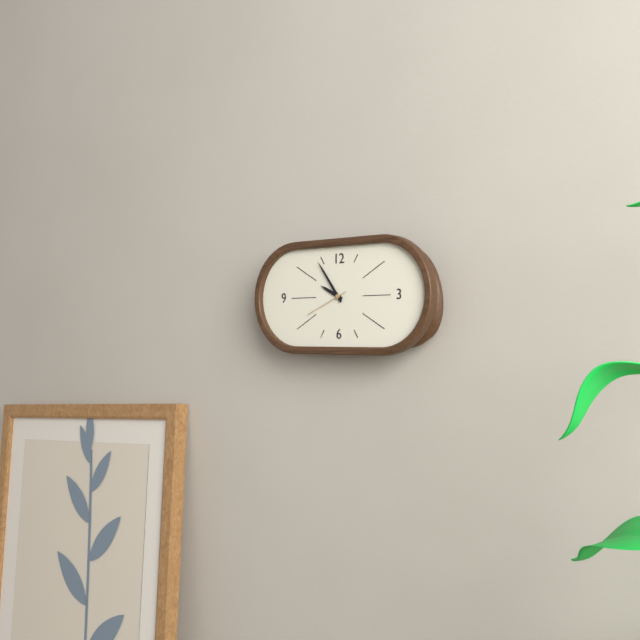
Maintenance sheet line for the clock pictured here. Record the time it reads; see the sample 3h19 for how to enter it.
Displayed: 9h54
